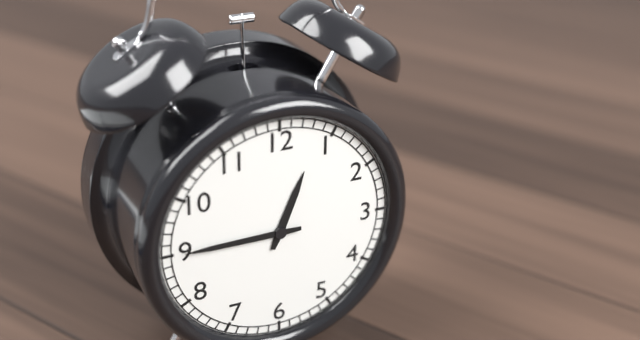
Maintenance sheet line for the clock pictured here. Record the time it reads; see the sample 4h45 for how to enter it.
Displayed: 12h45
